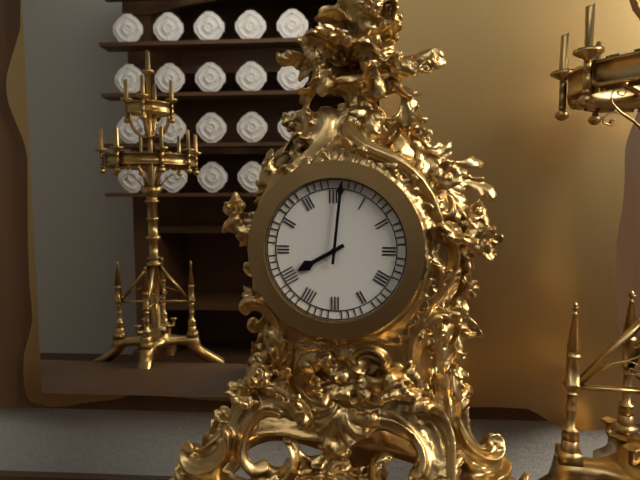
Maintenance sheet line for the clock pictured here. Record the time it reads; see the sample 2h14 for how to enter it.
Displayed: 8h01
